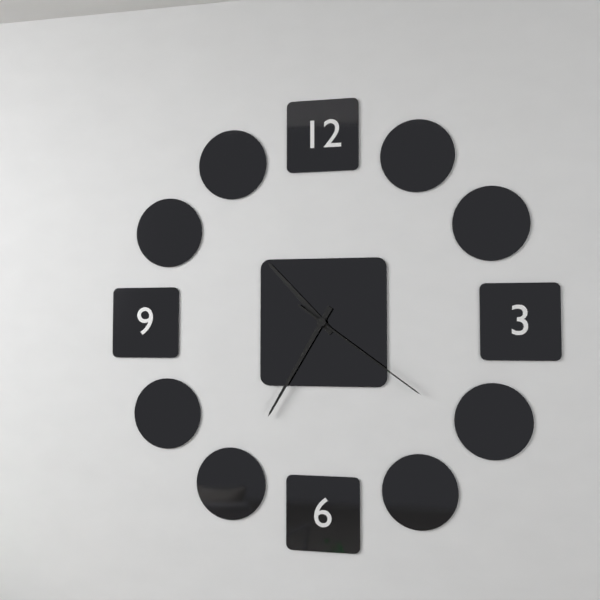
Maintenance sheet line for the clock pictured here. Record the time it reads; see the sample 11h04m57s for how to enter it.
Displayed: 10h35m21s
